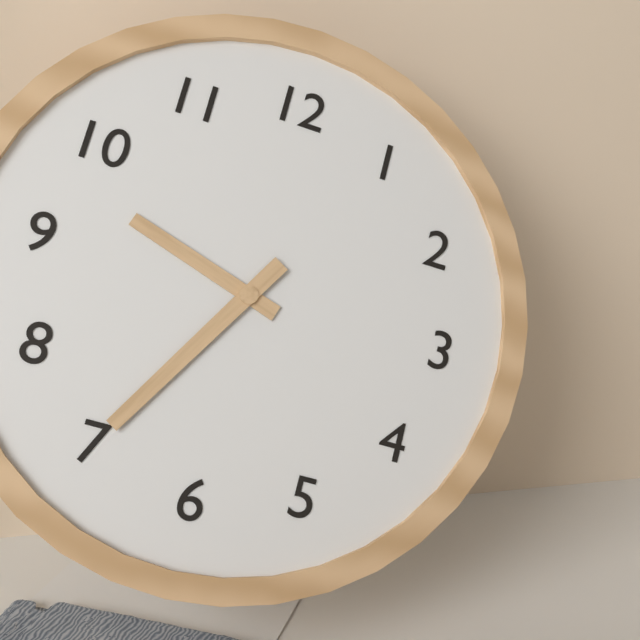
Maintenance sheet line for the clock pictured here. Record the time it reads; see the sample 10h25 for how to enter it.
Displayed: 9h35
